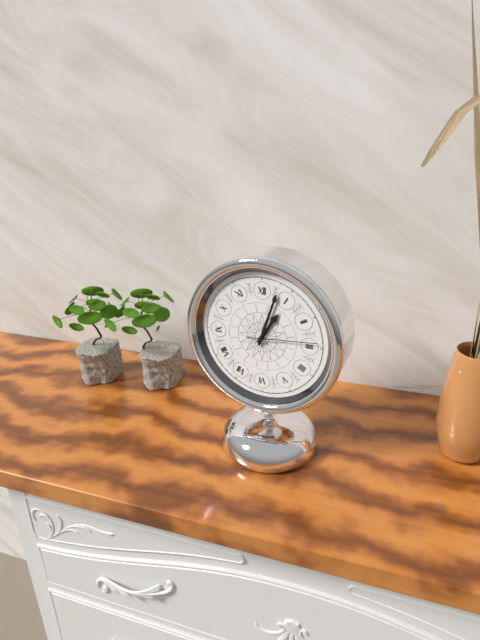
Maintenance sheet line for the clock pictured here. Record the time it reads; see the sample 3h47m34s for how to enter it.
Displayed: 1h03m14s
